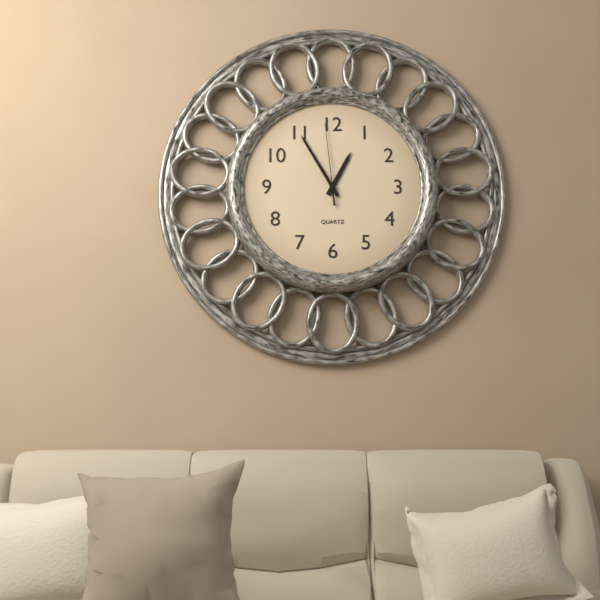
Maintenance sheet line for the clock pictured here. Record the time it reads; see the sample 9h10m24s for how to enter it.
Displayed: 12h55m59s
